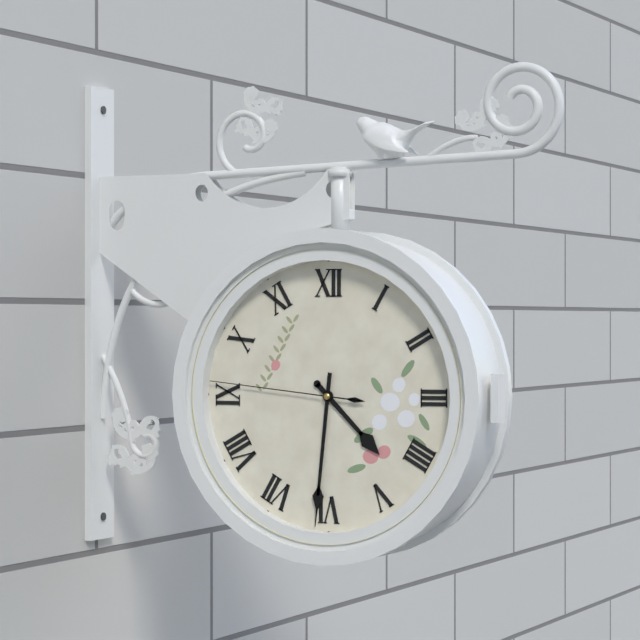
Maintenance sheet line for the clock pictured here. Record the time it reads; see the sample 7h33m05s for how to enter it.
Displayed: 4h31m46s
